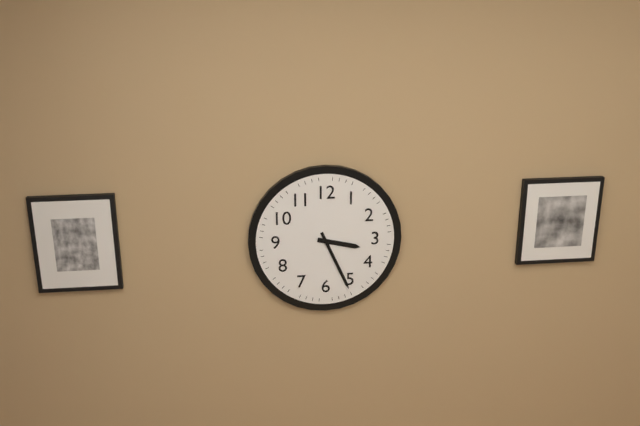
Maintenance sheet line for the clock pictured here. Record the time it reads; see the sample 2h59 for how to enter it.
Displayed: 3h26
